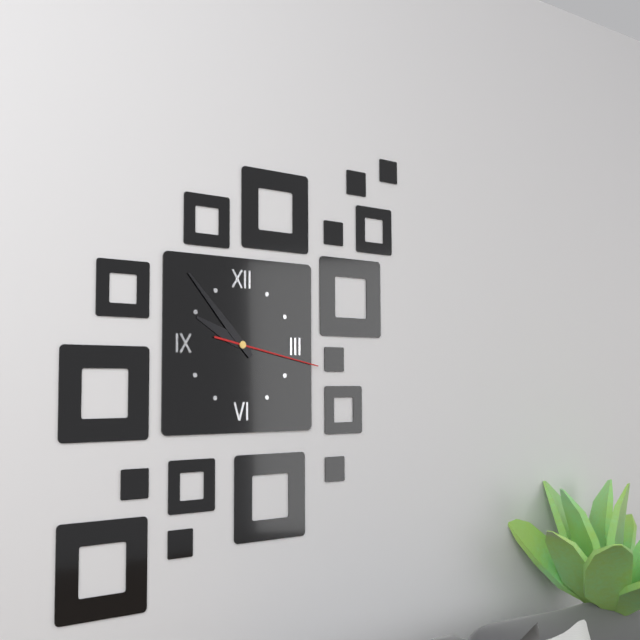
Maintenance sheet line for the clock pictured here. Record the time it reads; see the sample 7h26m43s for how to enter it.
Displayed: 9h53m17s
